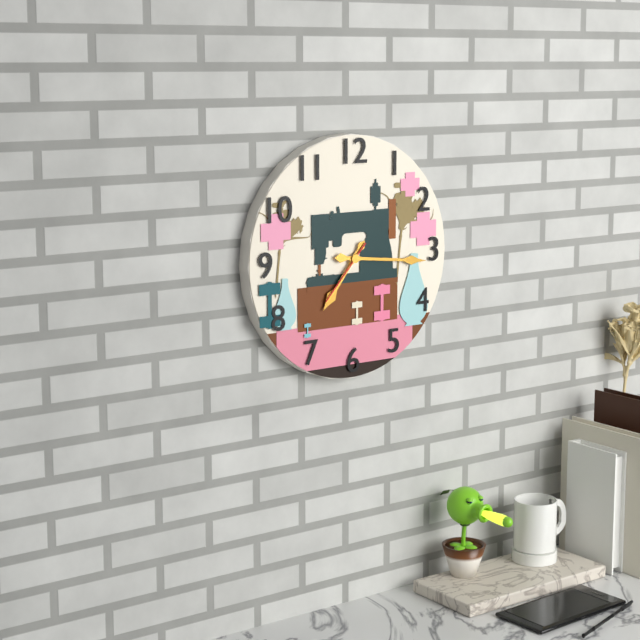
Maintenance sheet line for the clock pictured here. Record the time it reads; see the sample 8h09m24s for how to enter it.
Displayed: 7h16m37s
